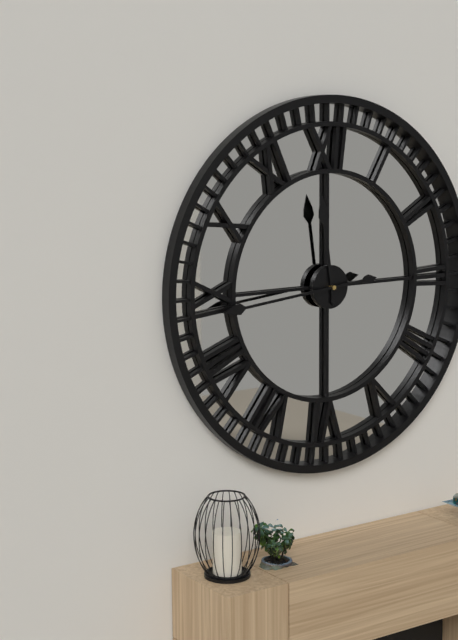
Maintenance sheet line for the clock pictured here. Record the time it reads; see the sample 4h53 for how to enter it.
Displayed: 11h44
